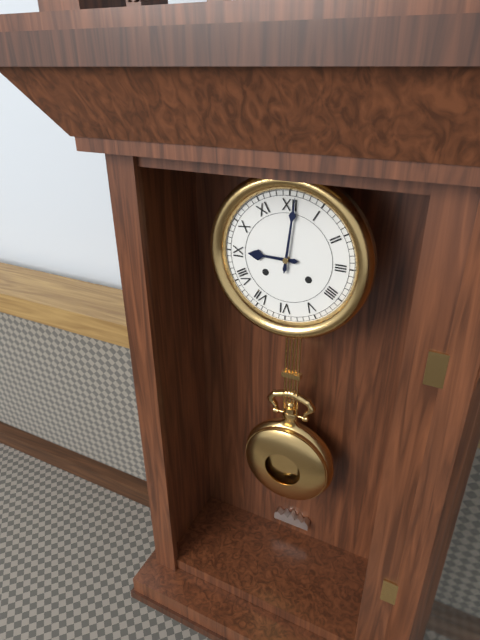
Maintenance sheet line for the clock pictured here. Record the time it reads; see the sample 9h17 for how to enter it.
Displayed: 9h01
